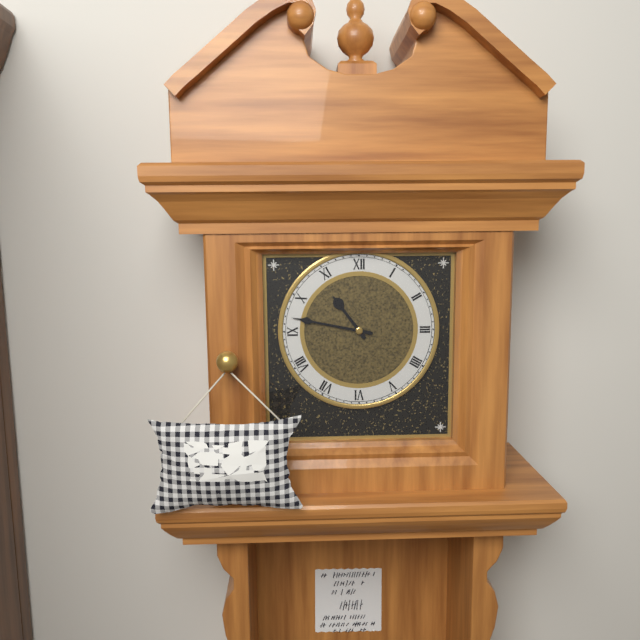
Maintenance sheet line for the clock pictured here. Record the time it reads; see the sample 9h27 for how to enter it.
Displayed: 10h47
